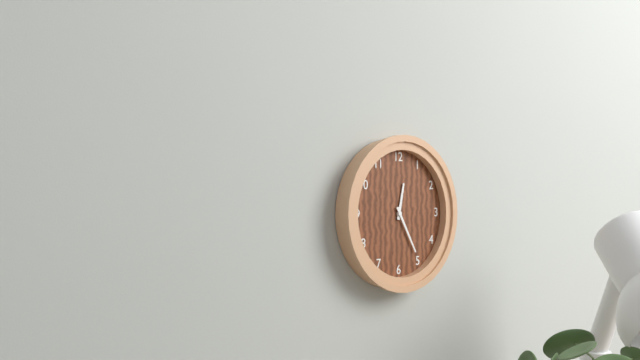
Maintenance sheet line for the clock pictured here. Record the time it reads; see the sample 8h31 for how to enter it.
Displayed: 12h25
